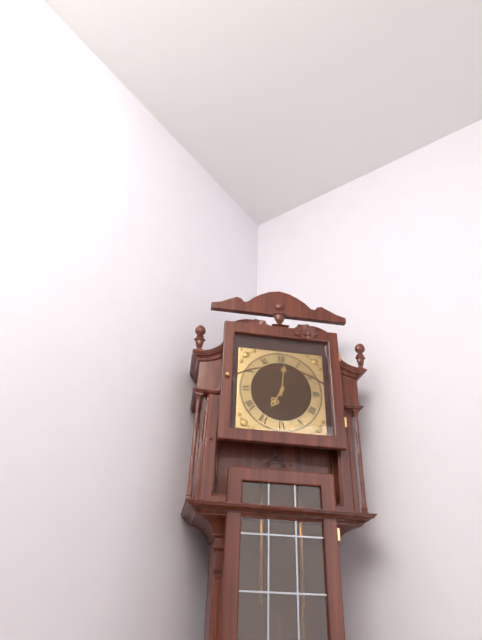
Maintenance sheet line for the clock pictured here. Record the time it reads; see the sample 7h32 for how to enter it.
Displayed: 7h01
